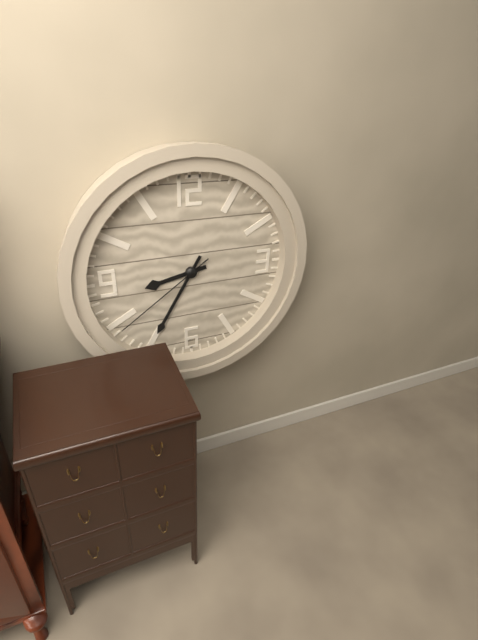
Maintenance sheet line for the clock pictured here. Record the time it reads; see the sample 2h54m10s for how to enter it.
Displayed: 8h35m39s
